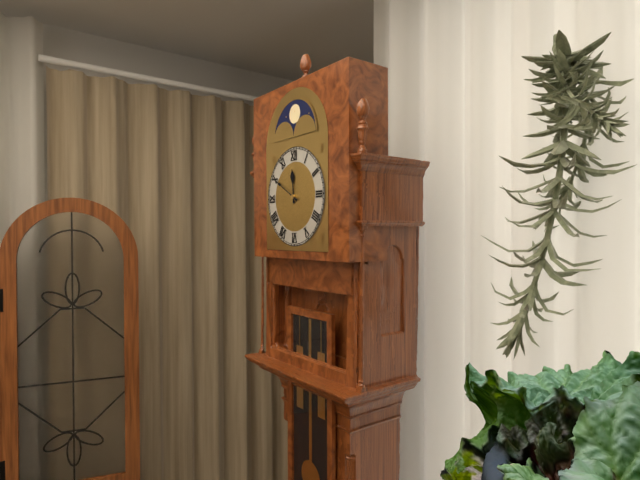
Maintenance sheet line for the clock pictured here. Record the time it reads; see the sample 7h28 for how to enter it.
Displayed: 11h50
